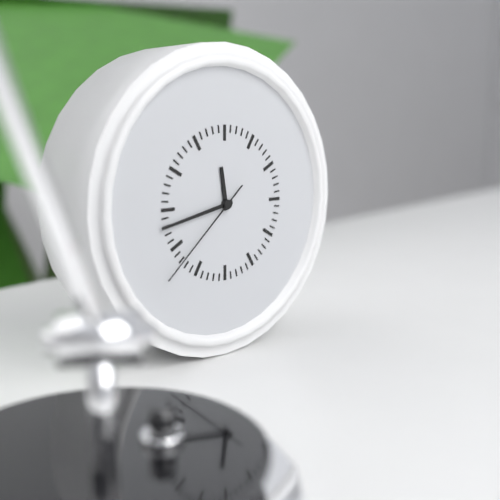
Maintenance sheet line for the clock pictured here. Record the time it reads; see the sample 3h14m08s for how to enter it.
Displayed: 11h43m38s
